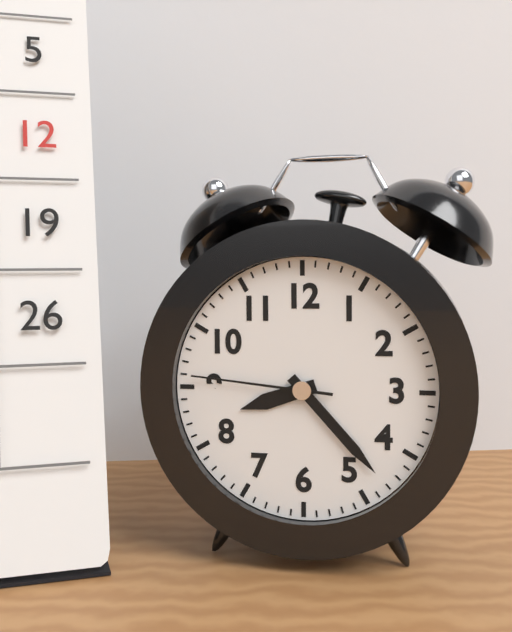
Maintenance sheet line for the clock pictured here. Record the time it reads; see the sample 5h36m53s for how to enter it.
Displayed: 8h23m46s
